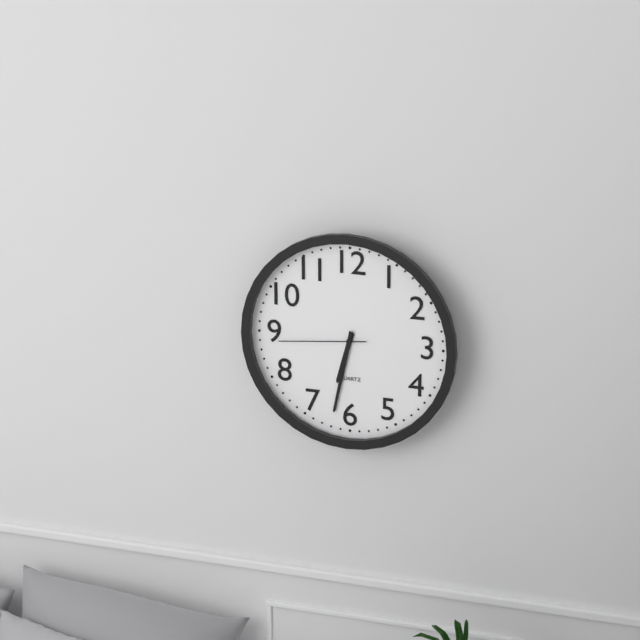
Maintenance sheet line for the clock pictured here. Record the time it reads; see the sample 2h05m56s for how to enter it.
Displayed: 6h32m44s
